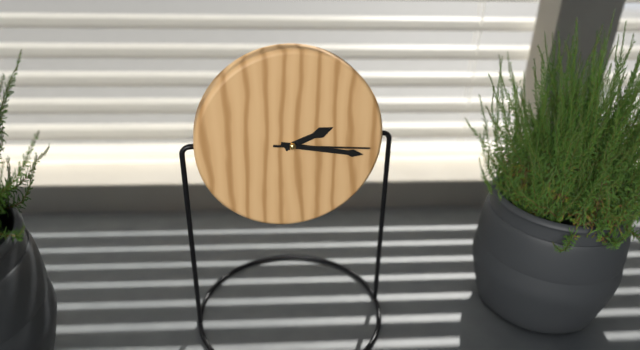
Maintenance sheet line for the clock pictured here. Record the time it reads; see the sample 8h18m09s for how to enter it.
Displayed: 2h17m16s
